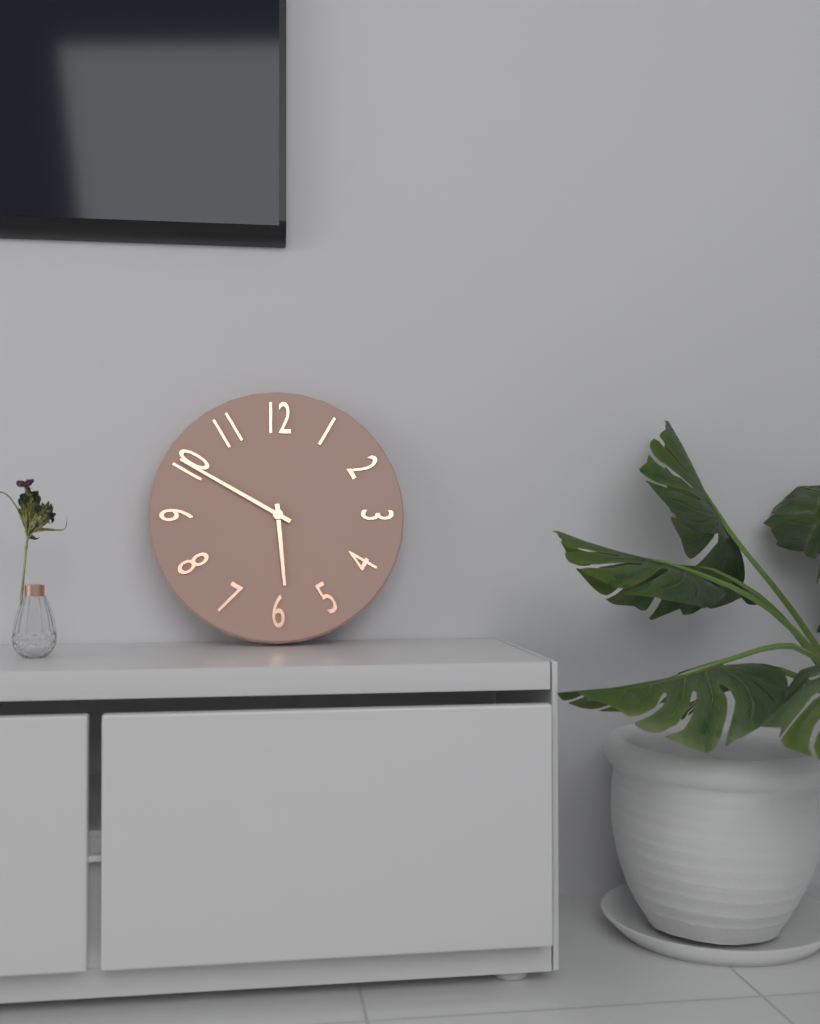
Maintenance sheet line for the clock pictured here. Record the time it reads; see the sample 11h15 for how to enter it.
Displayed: 5h50
